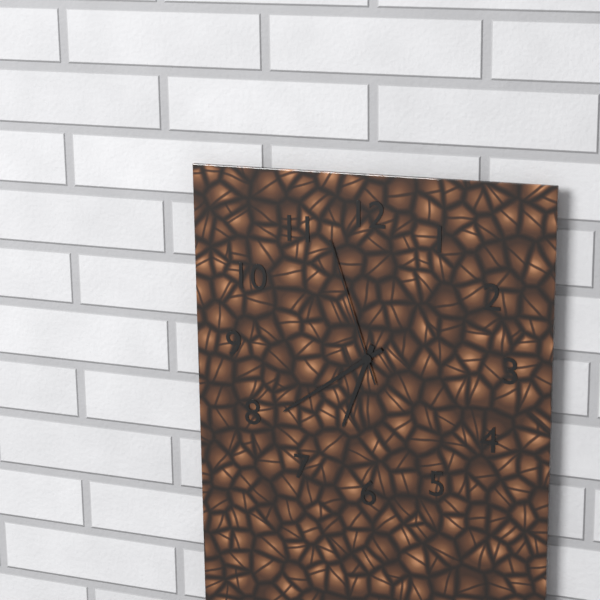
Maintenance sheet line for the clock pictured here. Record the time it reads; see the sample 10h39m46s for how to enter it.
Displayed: 6h39m57s
